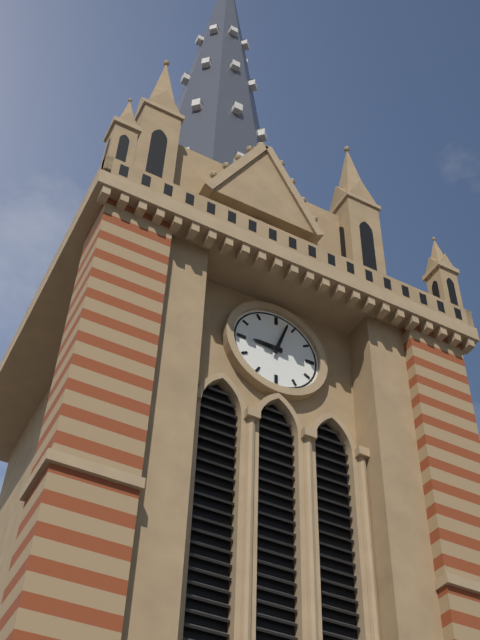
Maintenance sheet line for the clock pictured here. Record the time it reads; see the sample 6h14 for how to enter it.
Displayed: 9h03
